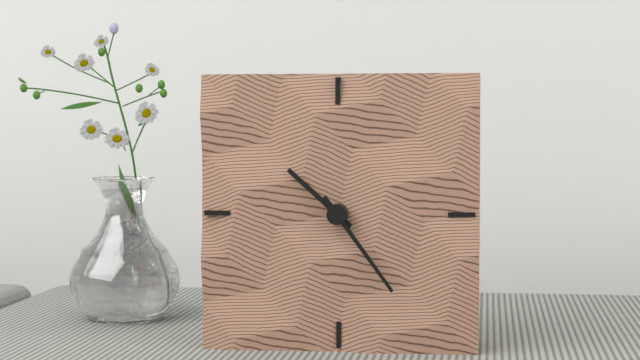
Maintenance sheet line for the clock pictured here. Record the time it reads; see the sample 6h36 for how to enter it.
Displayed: 10h24
